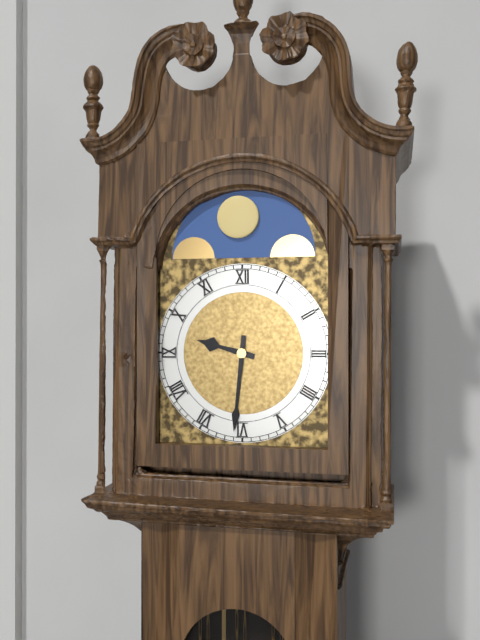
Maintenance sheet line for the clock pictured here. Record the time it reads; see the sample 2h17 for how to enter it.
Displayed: 9h31
